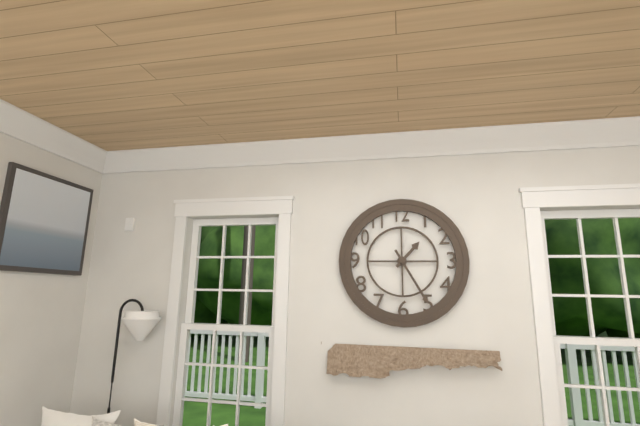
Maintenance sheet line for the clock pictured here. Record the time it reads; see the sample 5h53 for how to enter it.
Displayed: 1h25
